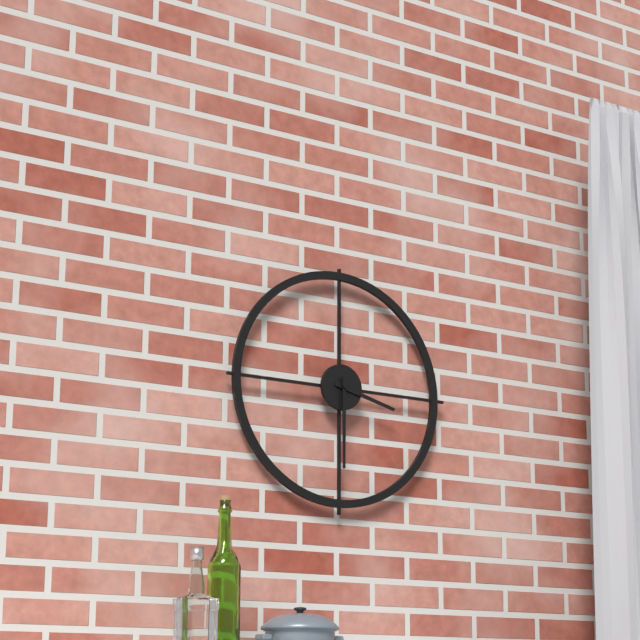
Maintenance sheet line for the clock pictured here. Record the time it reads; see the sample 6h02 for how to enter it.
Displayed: 3h30
